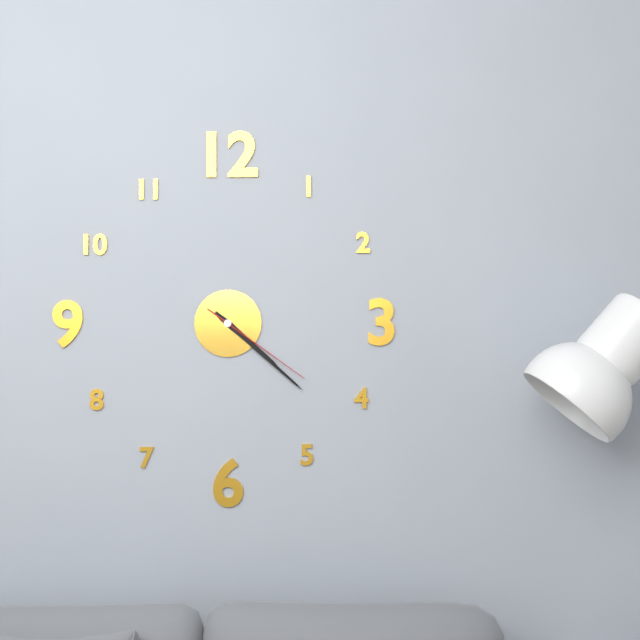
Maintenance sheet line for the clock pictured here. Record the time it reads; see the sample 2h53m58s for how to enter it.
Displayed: 4h22m21s
